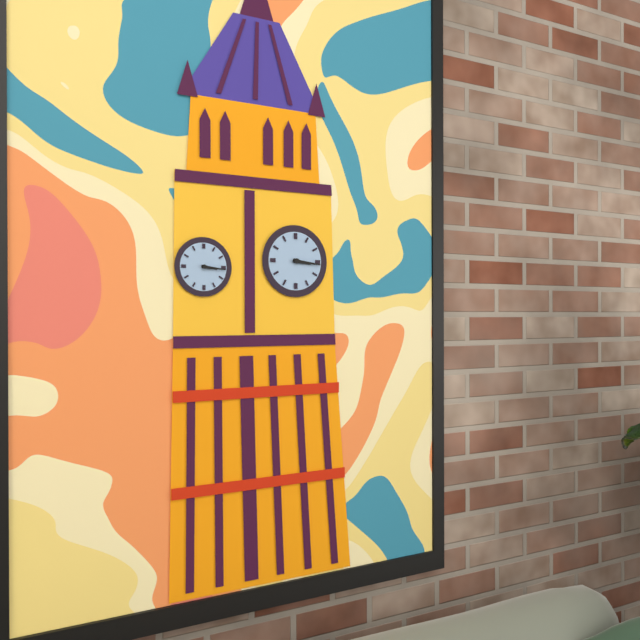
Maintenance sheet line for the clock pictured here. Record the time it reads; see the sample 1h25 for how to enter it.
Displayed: 3h16
